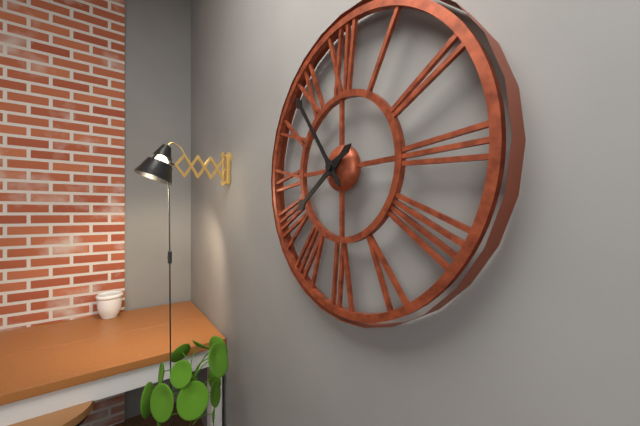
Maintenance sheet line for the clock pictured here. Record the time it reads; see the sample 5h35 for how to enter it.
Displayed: 7h54
